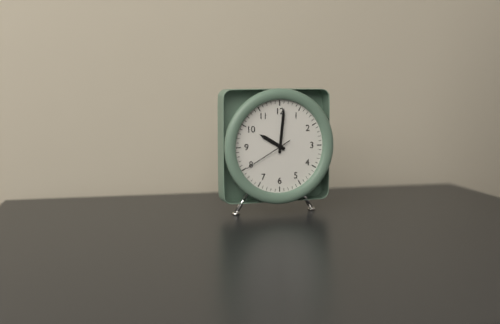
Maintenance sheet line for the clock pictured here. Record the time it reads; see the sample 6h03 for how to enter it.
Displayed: 10h01
